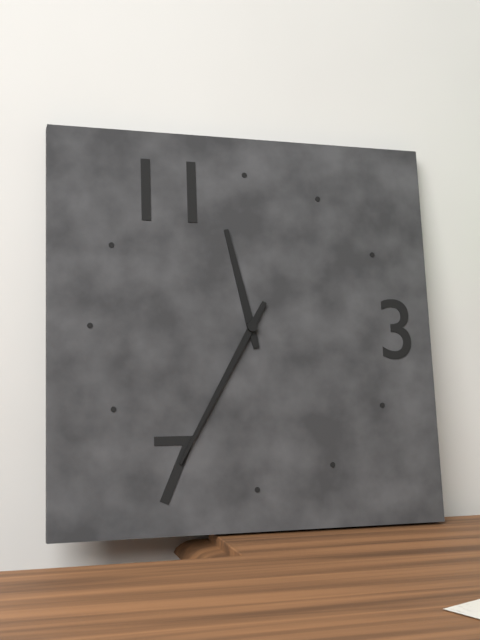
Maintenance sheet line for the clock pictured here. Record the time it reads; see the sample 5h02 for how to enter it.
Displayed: 11h35
